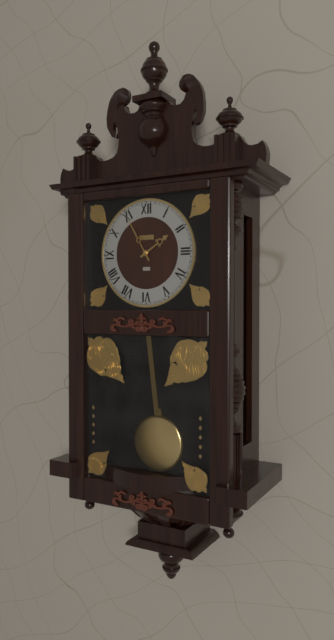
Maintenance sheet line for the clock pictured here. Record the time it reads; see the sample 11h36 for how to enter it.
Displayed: 1h55
